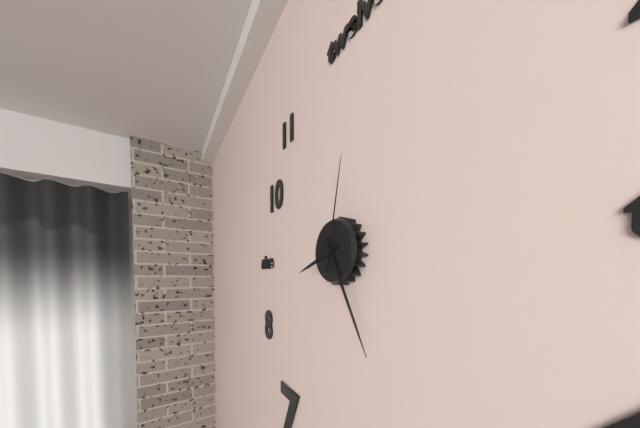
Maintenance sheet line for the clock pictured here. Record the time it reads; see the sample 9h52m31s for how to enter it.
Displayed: 8h25m02s
